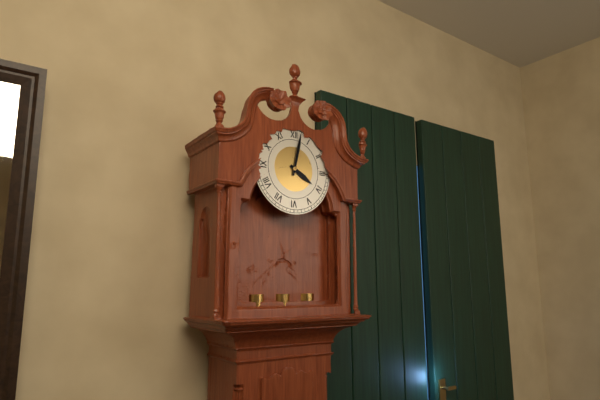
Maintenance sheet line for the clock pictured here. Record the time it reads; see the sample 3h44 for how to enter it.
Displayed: 4h02
